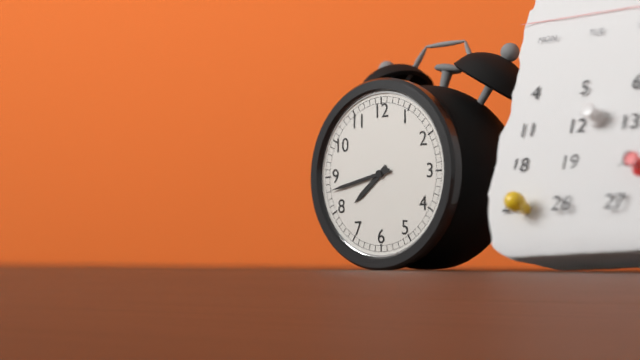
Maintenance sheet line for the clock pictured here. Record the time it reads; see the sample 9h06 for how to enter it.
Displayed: 7h43
